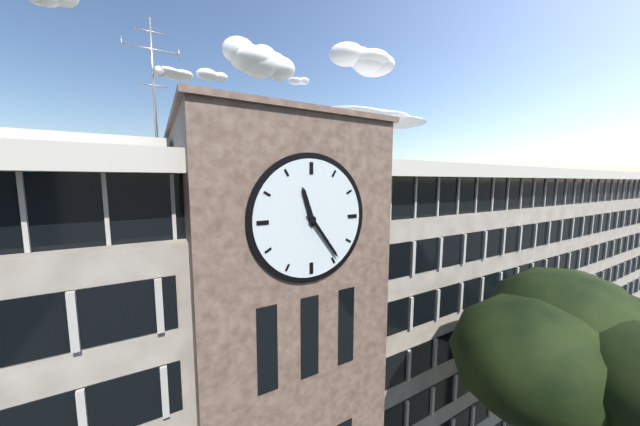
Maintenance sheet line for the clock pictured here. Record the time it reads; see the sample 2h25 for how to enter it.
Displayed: 11h24
